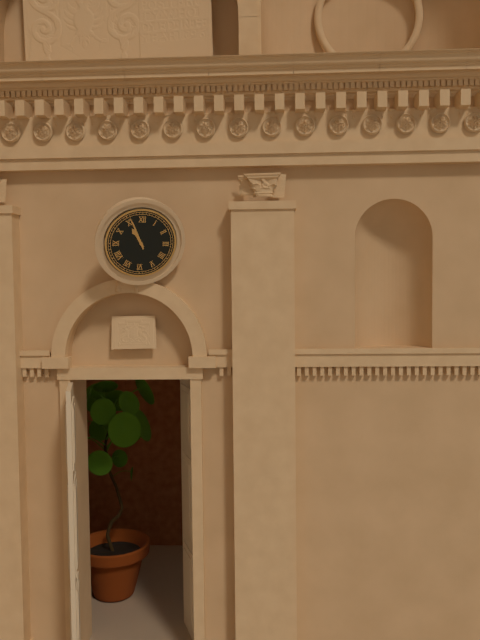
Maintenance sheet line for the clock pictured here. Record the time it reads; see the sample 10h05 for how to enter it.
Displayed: 10h56
